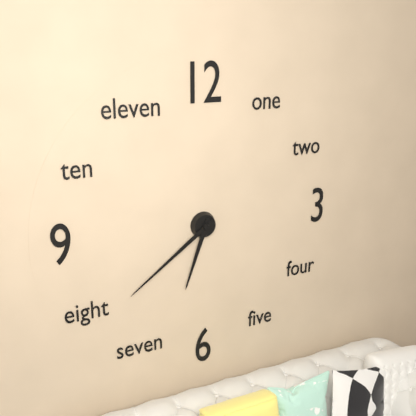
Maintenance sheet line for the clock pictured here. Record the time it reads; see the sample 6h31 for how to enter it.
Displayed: 6h39
